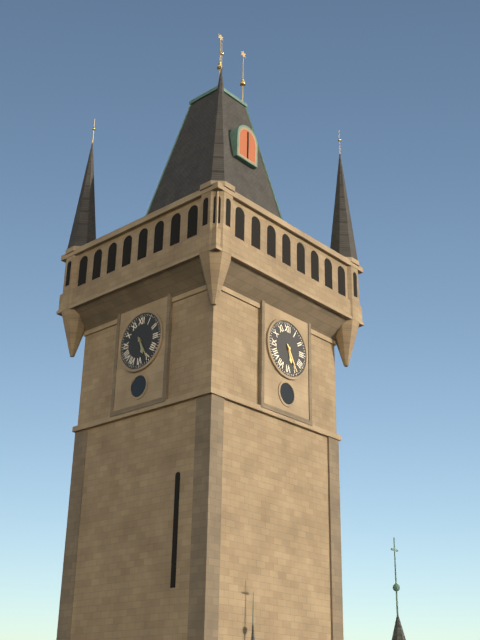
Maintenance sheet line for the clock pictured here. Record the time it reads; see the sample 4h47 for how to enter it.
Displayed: 5h25
